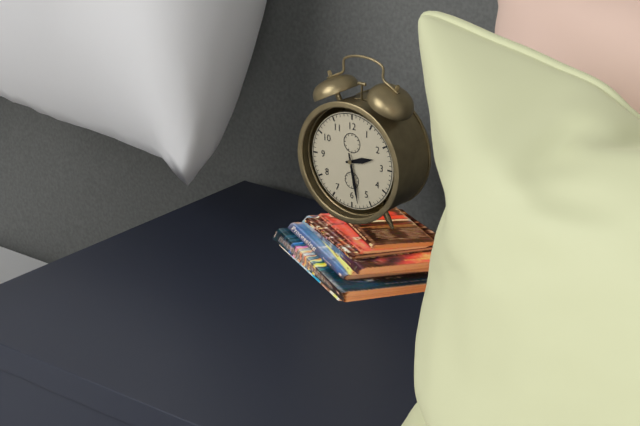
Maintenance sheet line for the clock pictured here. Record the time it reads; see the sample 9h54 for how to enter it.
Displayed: 2h28
